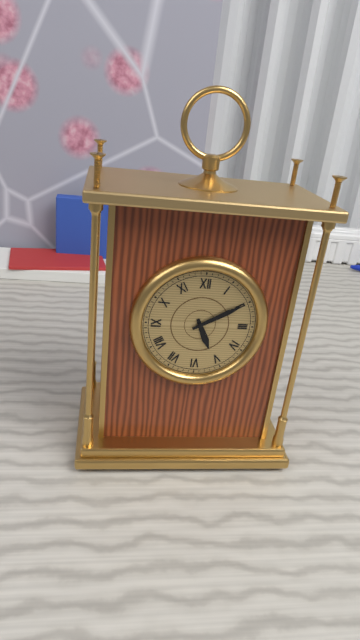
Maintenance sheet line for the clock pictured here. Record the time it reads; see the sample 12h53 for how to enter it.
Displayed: 5h10
